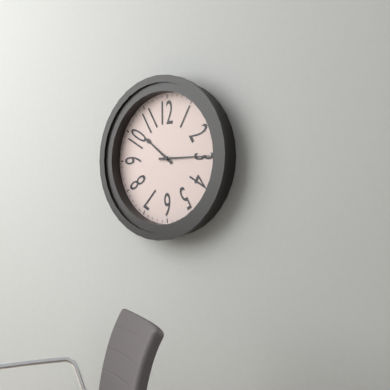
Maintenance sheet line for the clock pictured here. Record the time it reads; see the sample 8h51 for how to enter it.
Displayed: 10h15
